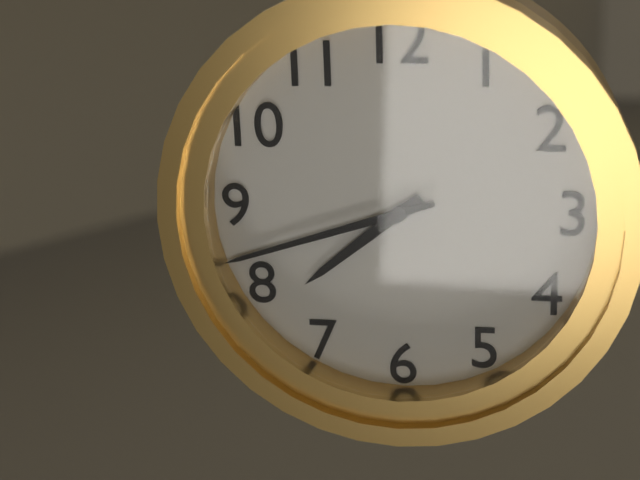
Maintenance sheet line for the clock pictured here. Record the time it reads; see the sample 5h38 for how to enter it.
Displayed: 7h42
